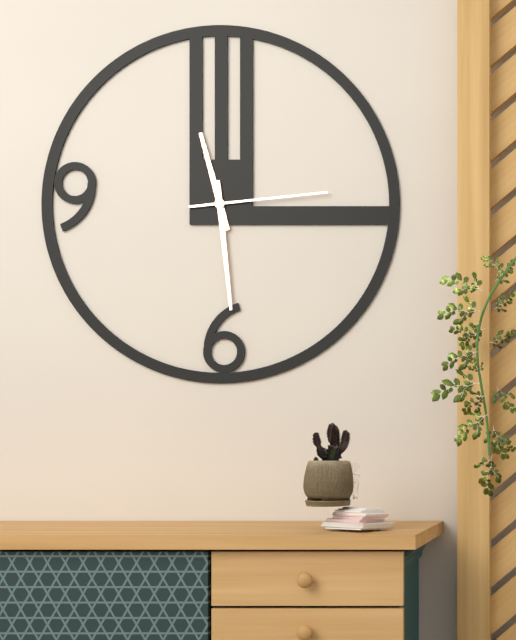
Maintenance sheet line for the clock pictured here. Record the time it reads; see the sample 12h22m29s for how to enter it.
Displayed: 11h29m14s
